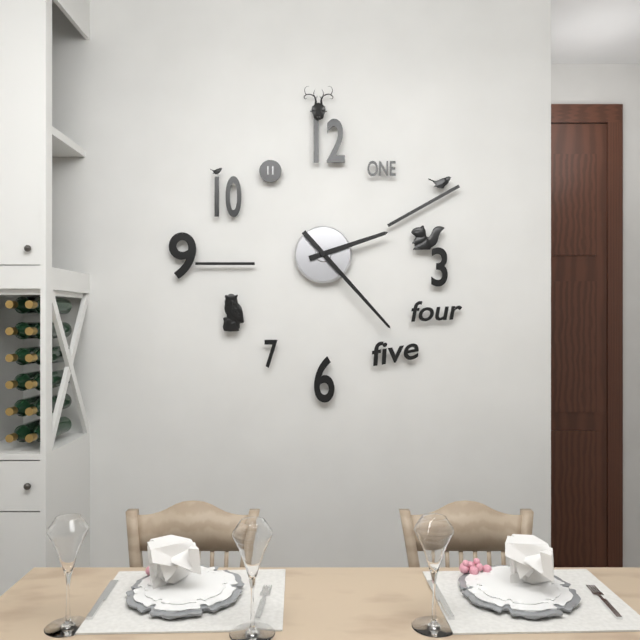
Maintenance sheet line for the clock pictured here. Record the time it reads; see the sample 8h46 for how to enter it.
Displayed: 2h23
